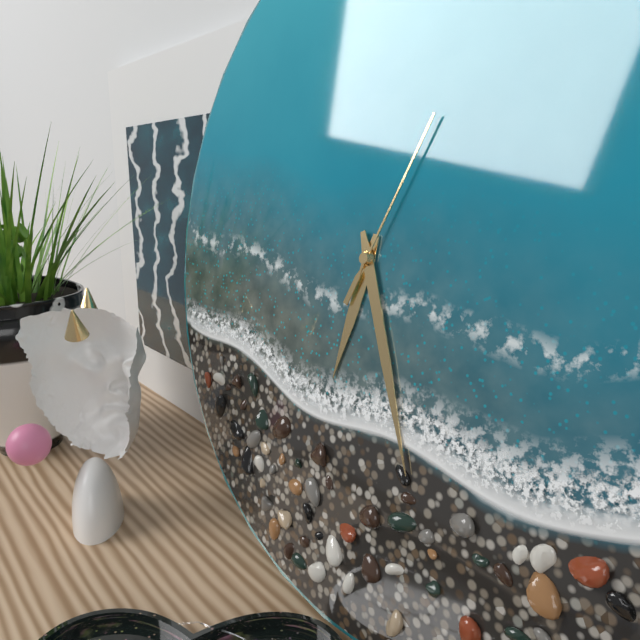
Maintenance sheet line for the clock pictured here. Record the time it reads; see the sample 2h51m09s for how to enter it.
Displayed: 6h26m04s
